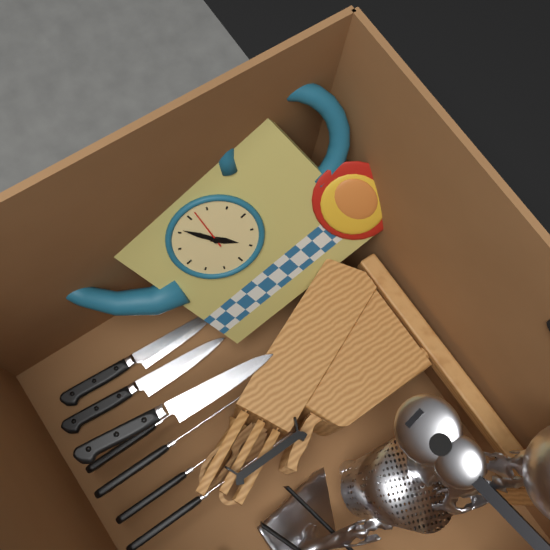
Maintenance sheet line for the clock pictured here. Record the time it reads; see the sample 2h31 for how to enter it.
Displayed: 4h56
